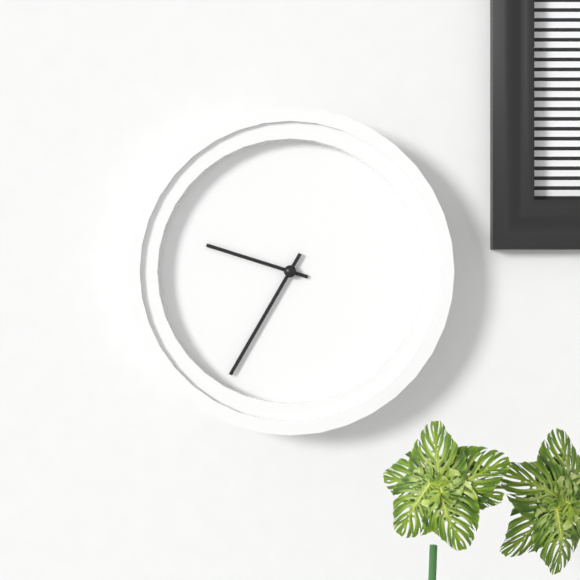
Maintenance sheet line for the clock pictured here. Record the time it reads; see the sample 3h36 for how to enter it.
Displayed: 9h35
